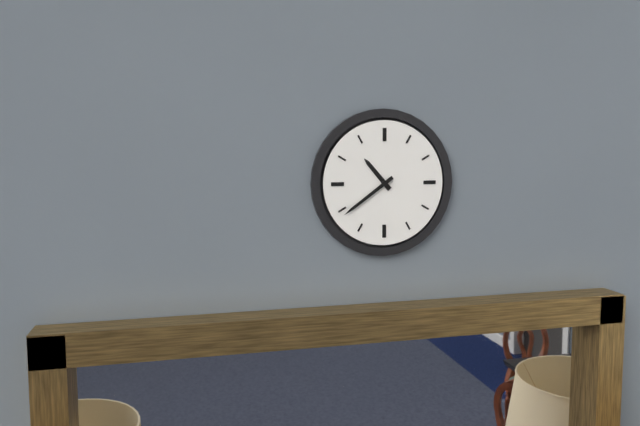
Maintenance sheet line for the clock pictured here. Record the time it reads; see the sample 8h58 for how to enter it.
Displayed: 10h39
